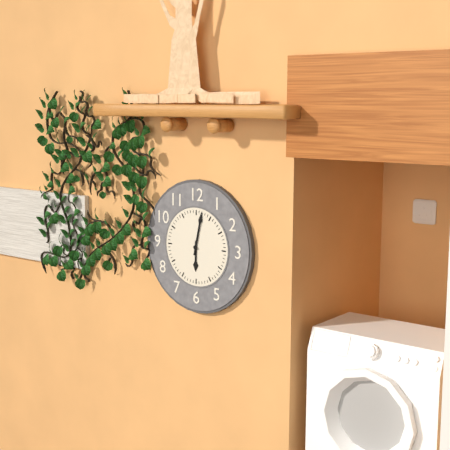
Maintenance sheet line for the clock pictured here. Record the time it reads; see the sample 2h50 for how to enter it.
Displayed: 6h02
